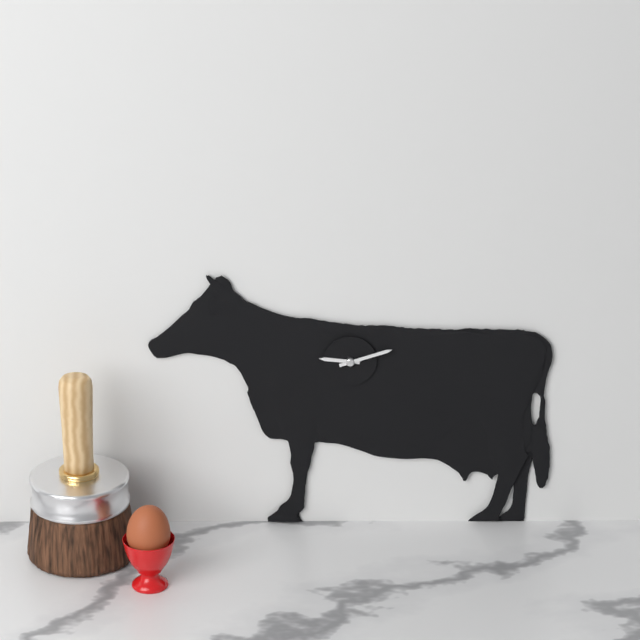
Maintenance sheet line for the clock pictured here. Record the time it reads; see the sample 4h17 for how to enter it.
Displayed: 9h12
